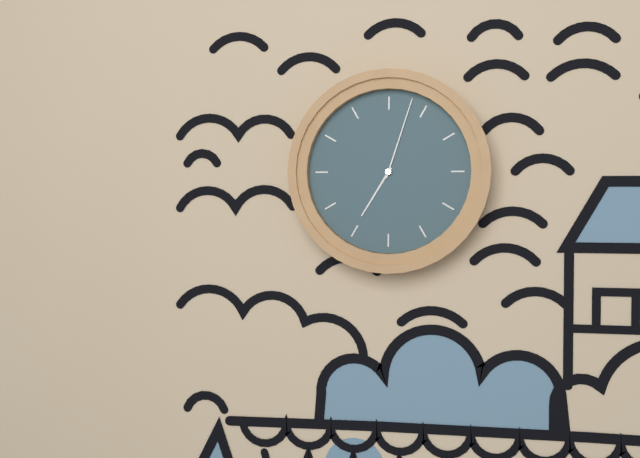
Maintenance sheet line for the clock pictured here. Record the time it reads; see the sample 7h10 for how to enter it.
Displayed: 7h03
